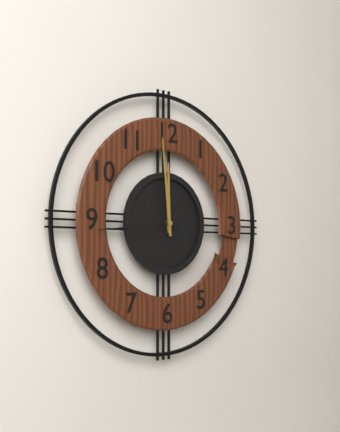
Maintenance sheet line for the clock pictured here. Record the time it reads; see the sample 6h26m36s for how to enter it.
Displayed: 11h59m44s
